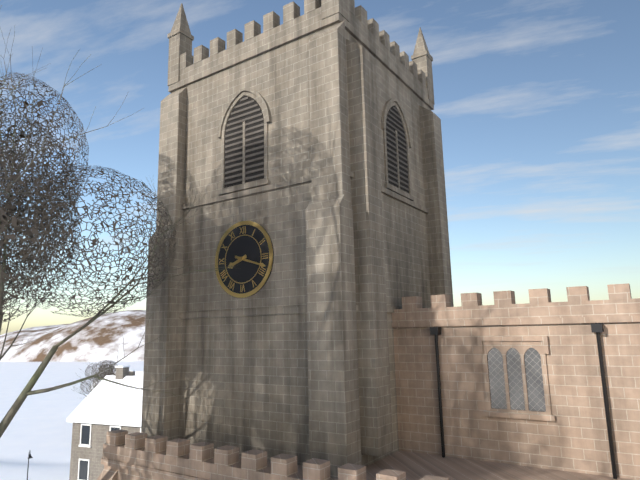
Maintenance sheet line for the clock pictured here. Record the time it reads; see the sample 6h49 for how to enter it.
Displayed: 8h18
